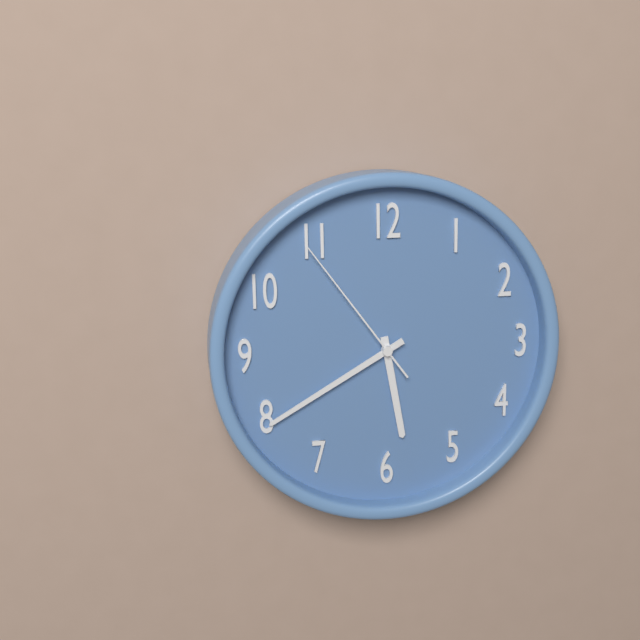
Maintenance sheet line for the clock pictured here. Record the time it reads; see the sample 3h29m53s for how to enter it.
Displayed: 5h40m54s
